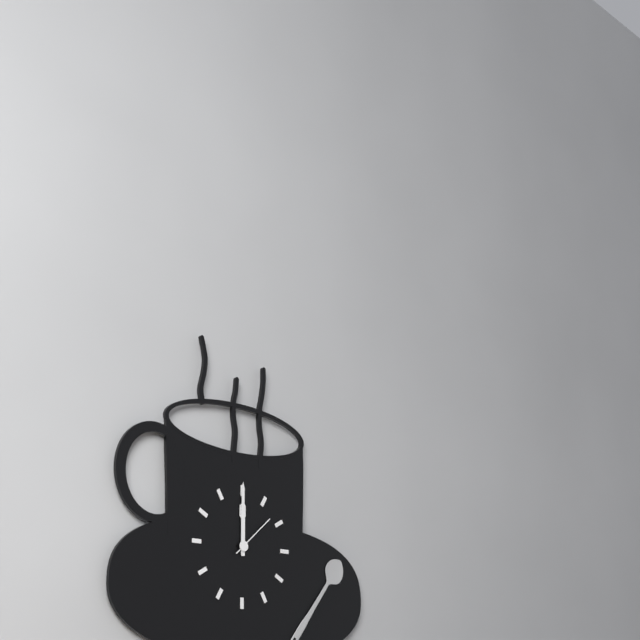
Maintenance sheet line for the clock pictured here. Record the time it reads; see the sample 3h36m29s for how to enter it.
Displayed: 12h00m08s
